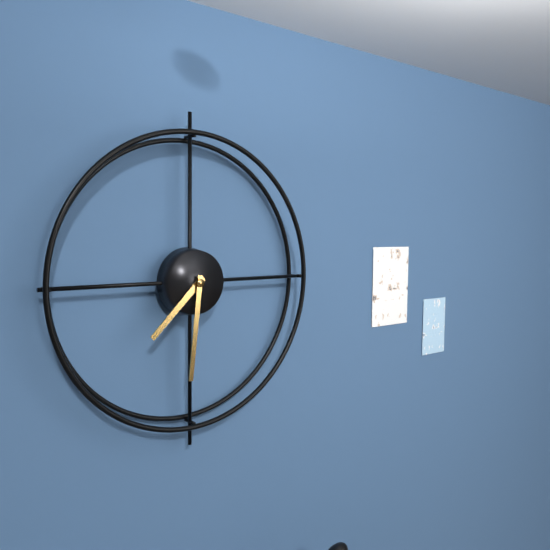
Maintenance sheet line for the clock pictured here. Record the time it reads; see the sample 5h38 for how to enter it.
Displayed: 7h31
